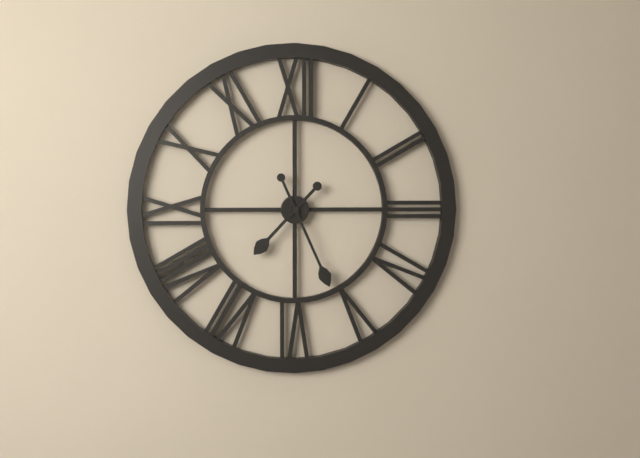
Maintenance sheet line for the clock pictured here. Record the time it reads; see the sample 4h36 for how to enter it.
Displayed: 7h26
